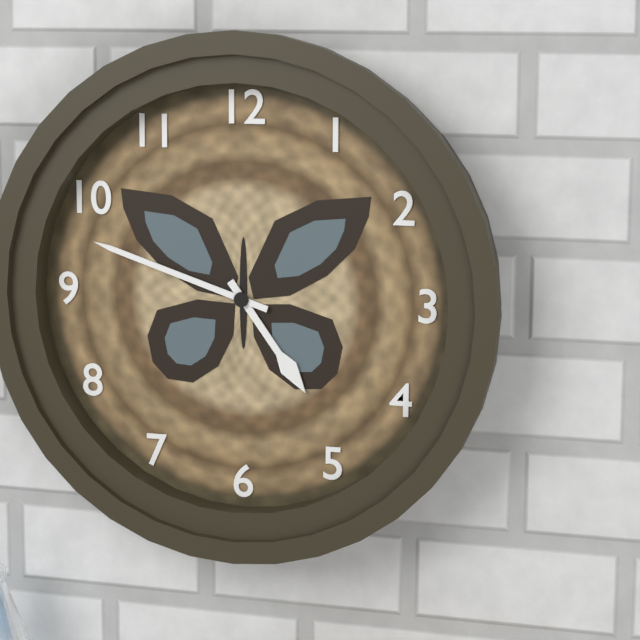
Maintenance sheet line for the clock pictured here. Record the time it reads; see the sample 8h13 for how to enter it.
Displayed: 4h48
